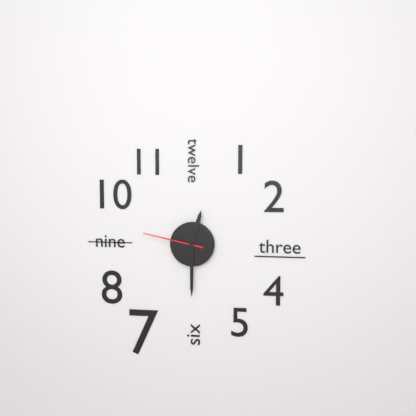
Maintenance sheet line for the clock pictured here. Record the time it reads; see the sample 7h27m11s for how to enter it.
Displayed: 12h30m47s
